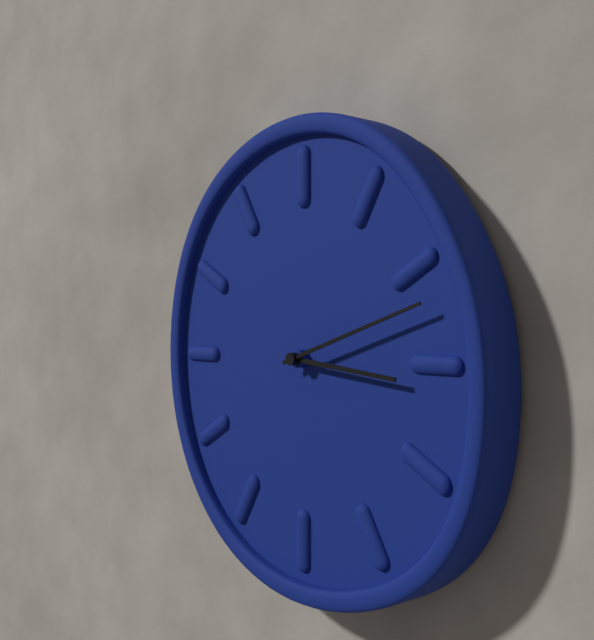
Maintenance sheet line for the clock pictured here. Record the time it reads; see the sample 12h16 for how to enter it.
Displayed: 3h12
